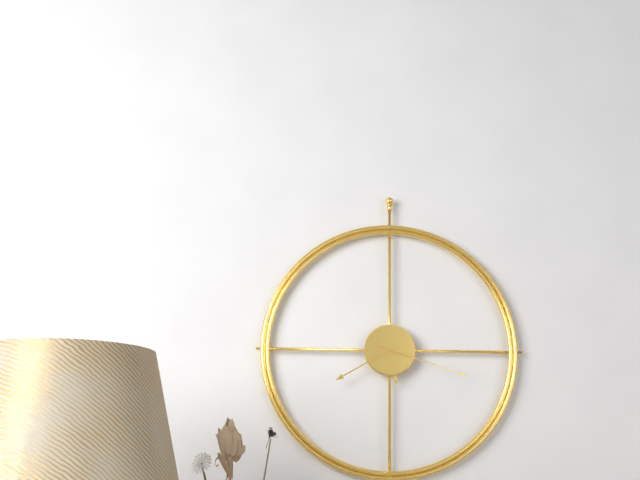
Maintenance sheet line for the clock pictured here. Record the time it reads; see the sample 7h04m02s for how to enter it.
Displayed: 5h40m18s
